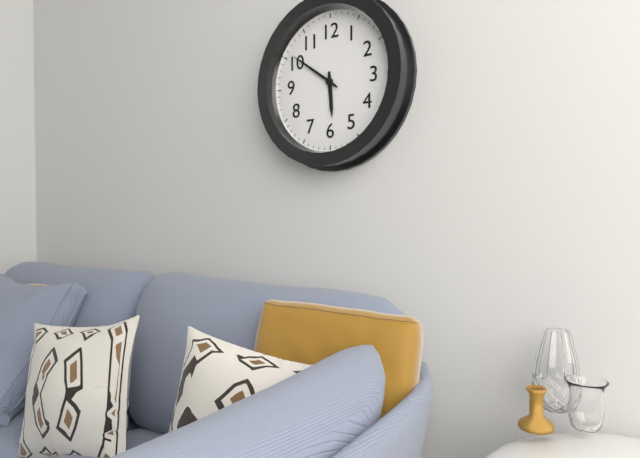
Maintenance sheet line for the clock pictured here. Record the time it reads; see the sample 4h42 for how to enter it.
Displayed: 5h51
